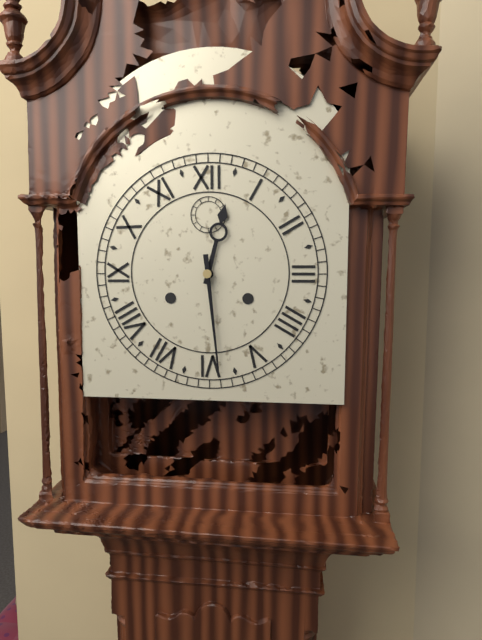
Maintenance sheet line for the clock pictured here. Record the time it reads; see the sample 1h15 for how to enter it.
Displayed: 12h29
